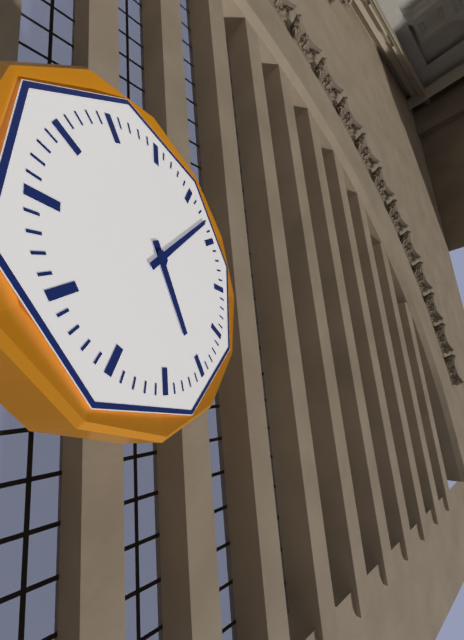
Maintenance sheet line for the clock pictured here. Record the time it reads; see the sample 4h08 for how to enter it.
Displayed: 5h08
